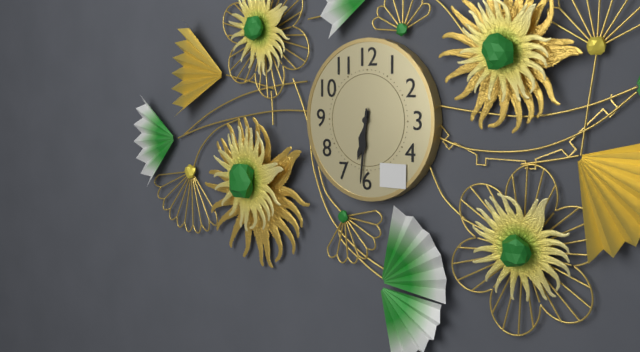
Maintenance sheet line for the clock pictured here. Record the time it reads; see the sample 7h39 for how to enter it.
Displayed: 6h31
